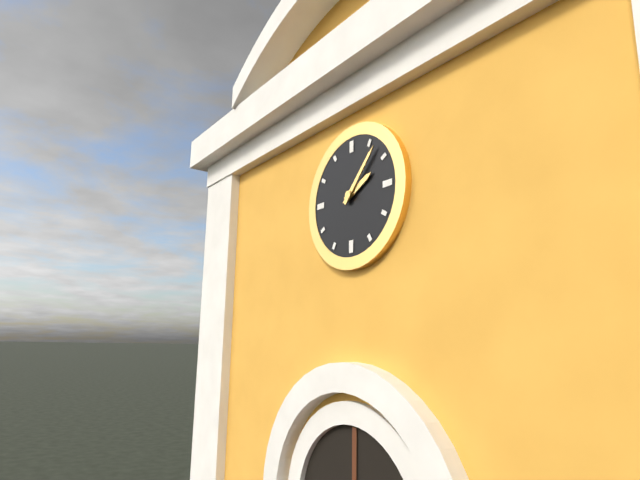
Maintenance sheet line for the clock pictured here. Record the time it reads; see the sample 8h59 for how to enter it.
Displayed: 2h07
